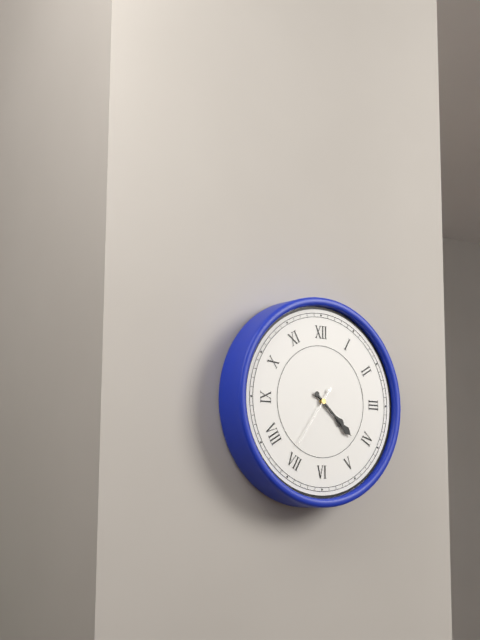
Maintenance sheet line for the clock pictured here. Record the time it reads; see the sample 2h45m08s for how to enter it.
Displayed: 4h22m36s
